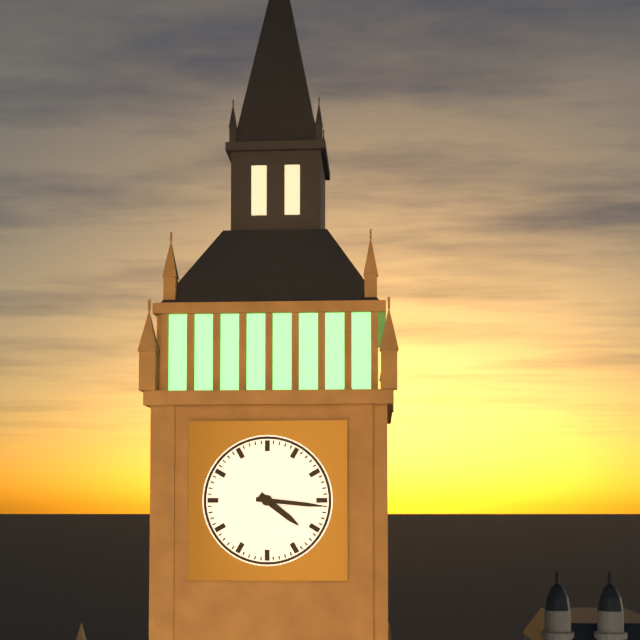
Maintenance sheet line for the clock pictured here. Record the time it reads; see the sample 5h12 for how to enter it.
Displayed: 4h16
